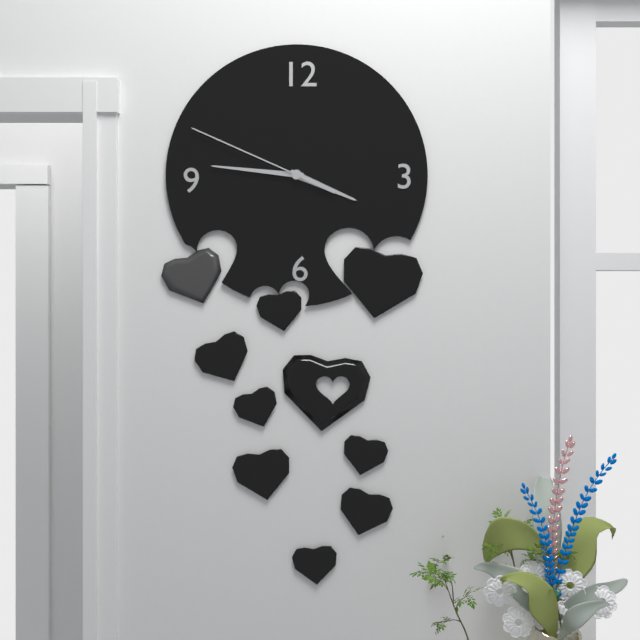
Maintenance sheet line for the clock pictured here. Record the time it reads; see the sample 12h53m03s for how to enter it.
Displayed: 3h46m49s
